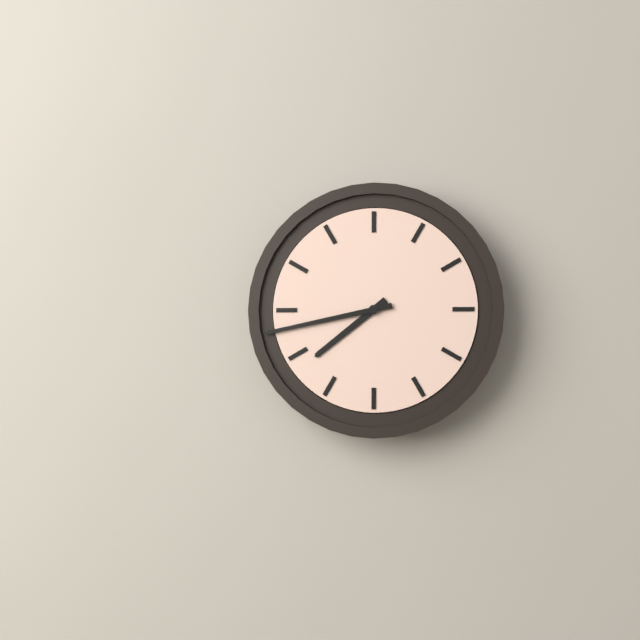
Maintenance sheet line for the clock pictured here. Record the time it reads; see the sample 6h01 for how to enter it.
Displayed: 7h43
